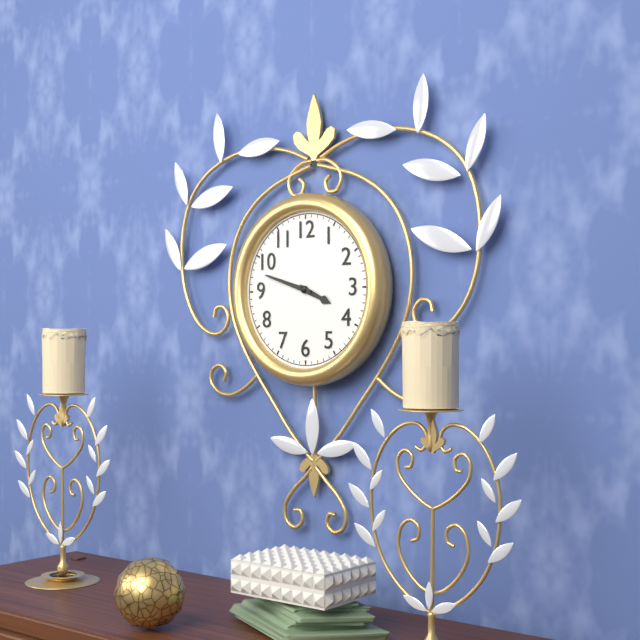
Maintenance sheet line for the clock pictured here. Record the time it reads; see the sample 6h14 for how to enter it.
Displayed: 3h48
